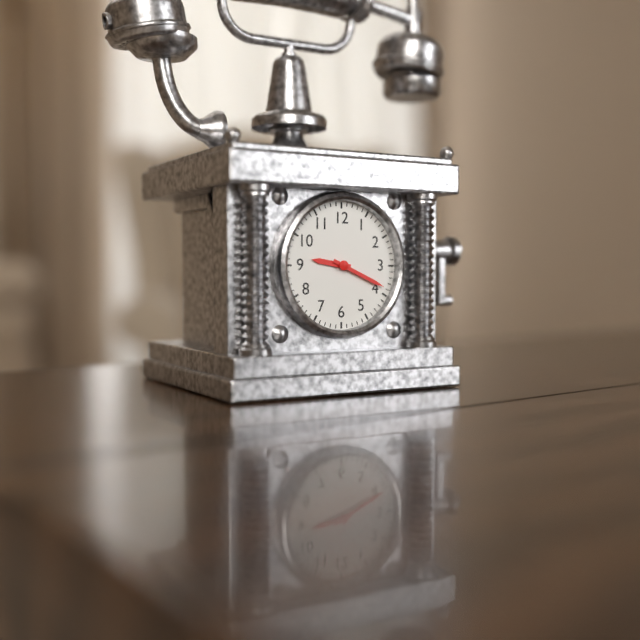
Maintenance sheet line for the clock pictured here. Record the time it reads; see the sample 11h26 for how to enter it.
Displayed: 9h19
